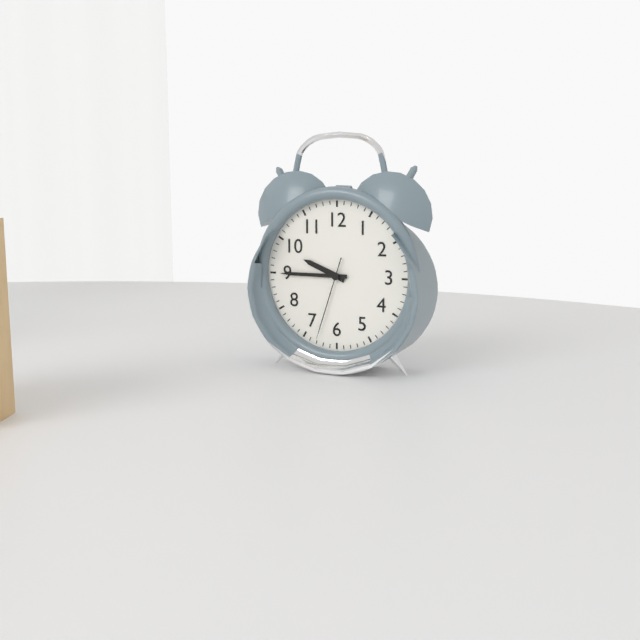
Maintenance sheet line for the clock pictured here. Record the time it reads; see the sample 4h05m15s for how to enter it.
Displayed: 9h45m33s
